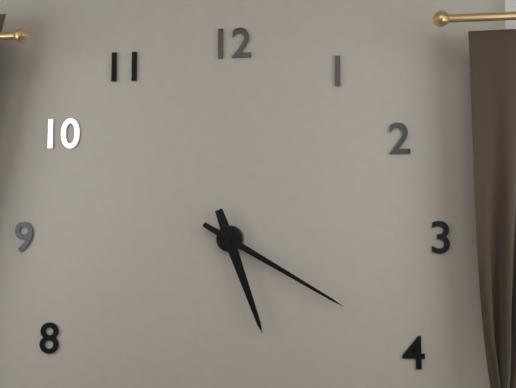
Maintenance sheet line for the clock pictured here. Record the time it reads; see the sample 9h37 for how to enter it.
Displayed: 5h20
